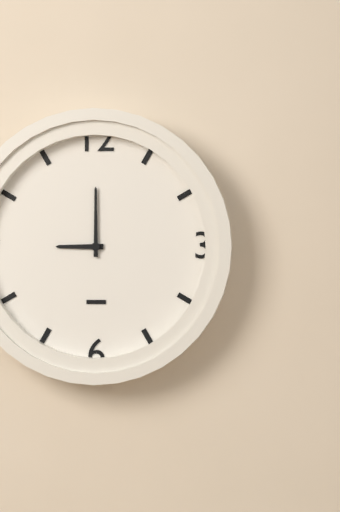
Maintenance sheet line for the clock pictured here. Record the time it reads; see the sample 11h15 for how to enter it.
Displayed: 9h00
